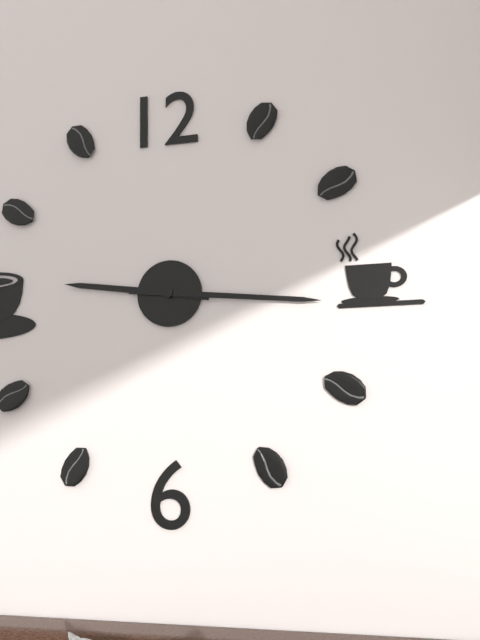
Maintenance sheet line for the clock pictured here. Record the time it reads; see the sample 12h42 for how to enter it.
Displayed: 9h16
